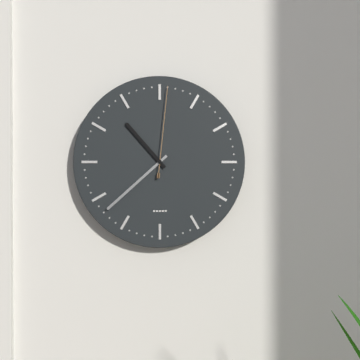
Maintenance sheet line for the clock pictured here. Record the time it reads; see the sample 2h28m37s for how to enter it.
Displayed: 10h38m01s
